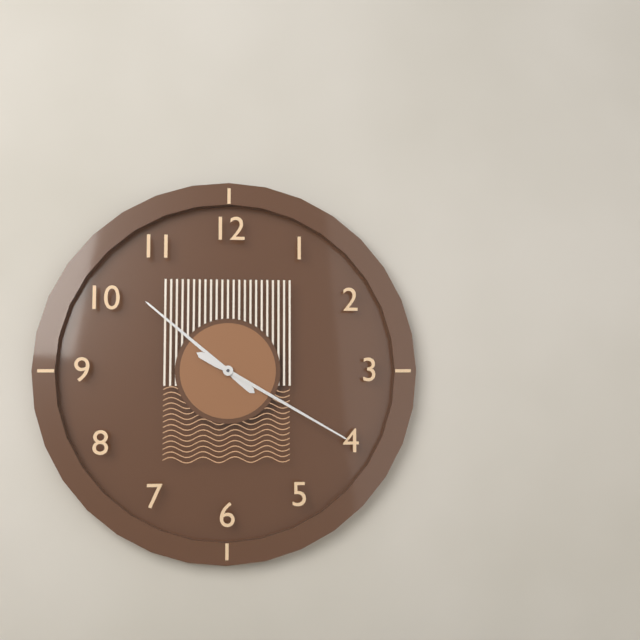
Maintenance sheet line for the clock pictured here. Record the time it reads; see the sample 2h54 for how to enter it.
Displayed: 10h20
